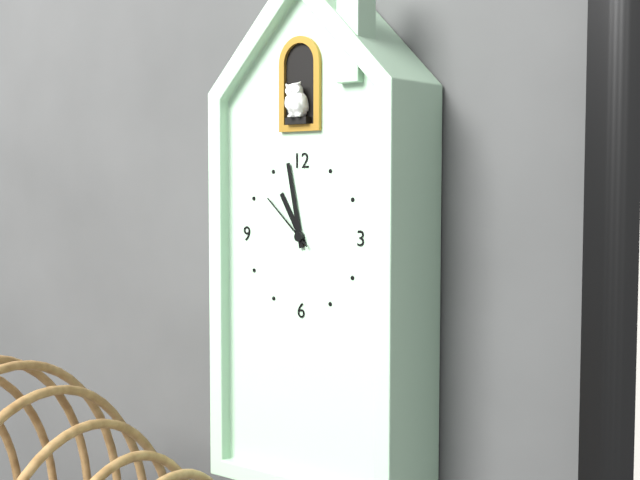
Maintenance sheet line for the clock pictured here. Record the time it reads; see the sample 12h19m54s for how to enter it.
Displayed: 10h58m52s
